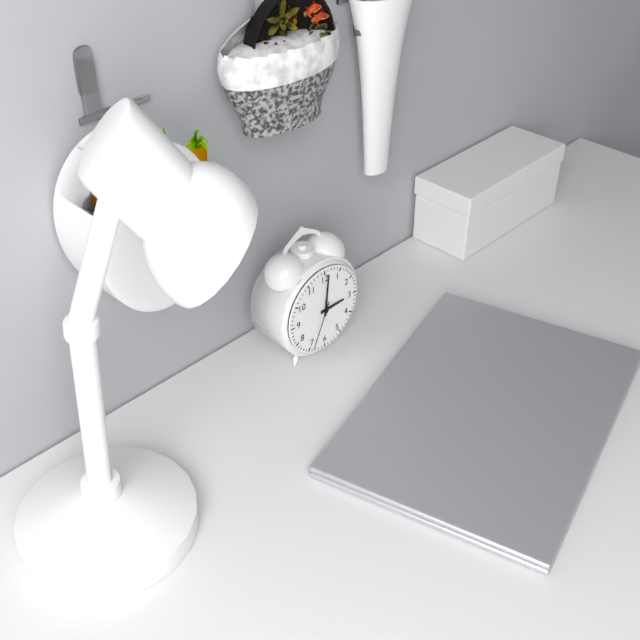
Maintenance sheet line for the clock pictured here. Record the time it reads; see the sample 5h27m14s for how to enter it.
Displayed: 3h01m34s
